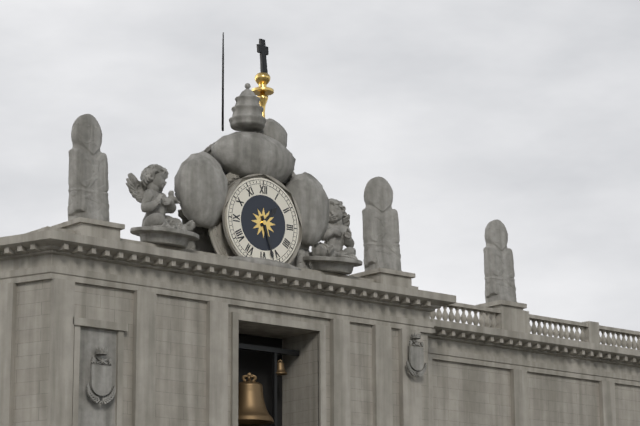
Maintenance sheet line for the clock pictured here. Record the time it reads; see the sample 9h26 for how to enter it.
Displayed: 1h27
